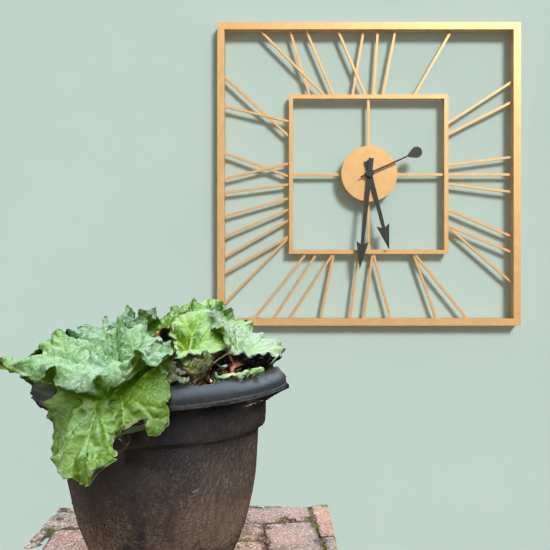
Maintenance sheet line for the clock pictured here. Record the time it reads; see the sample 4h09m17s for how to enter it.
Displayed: 5h31m11s
